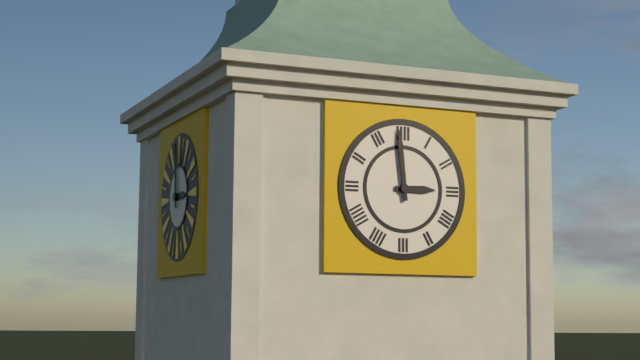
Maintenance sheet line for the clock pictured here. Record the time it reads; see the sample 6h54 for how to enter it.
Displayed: 2h59
